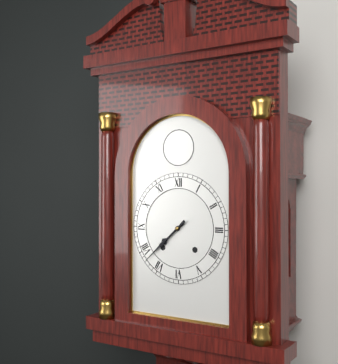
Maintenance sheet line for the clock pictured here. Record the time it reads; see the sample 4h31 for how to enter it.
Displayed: 7h38
